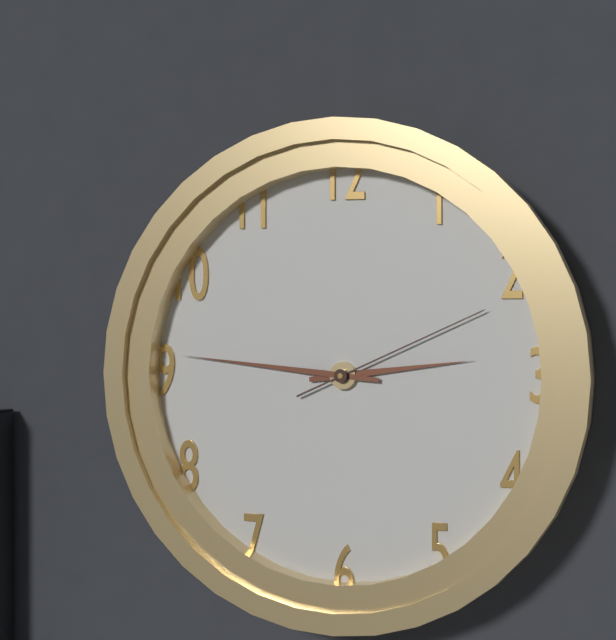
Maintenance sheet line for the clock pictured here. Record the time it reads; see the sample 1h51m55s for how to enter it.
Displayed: 2h46m11s
